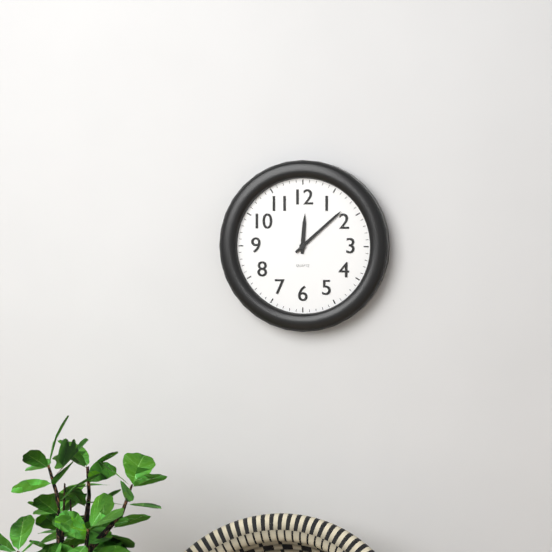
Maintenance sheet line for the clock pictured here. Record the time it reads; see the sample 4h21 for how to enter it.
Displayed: 12h08
